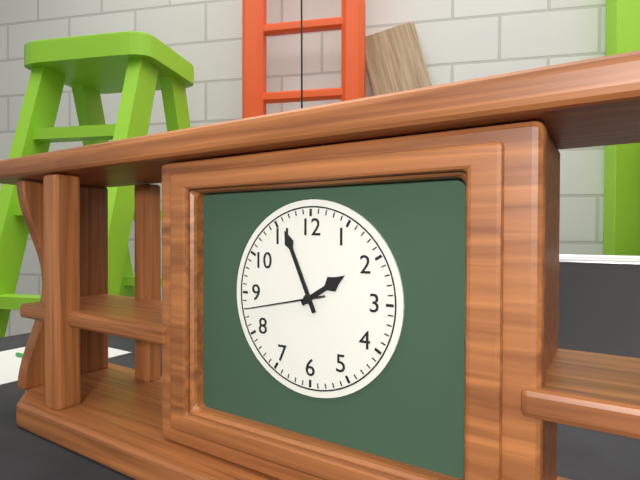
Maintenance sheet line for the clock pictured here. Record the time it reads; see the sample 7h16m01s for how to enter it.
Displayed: 1h56m43s
